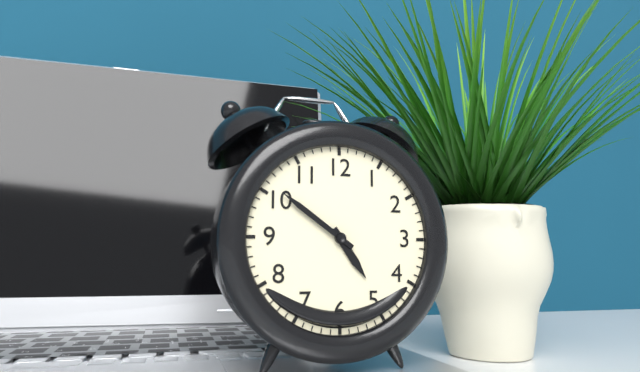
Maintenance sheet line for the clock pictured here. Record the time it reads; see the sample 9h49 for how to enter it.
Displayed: 4h51
